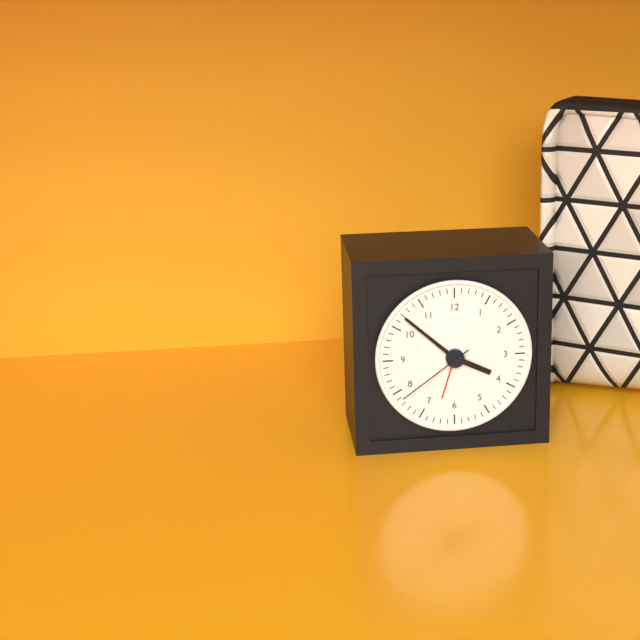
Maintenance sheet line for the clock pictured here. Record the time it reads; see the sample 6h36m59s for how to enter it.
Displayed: 3h52m39s
